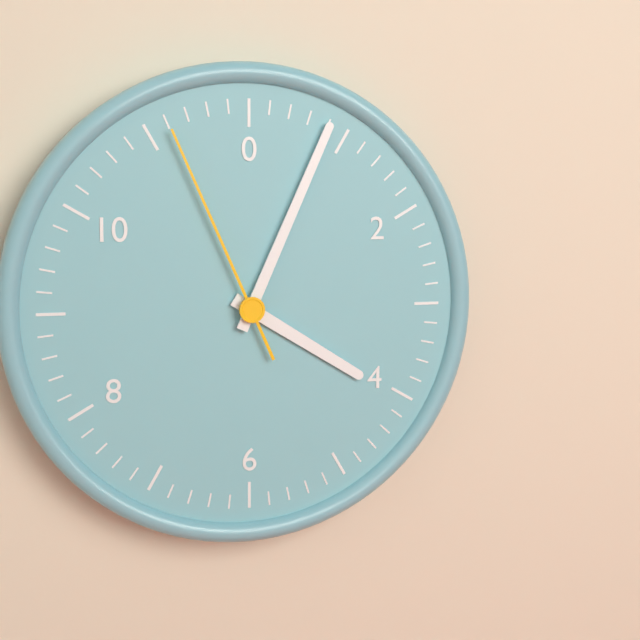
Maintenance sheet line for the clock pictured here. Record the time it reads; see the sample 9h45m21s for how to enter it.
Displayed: 4h04m56s
